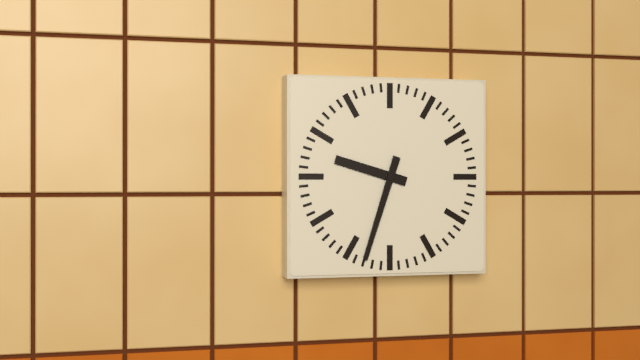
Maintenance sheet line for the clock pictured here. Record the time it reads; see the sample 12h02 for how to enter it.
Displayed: 9h33
